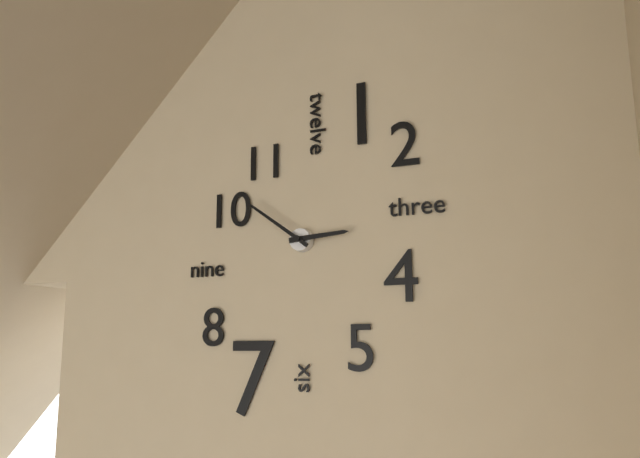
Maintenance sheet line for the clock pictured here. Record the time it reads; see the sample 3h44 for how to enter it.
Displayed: 2h51
